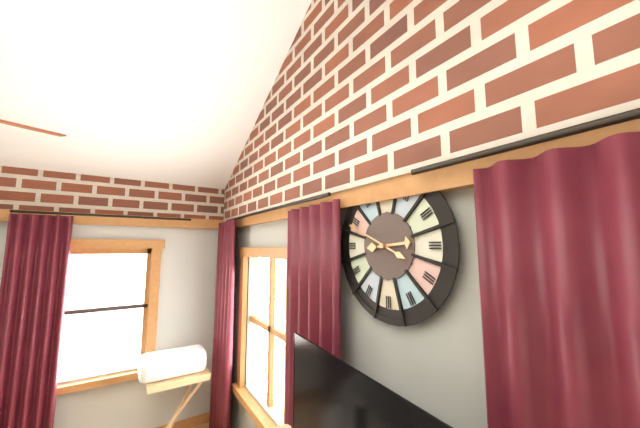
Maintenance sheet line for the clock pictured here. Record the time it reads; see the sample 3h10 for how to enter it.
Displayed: 2h49
